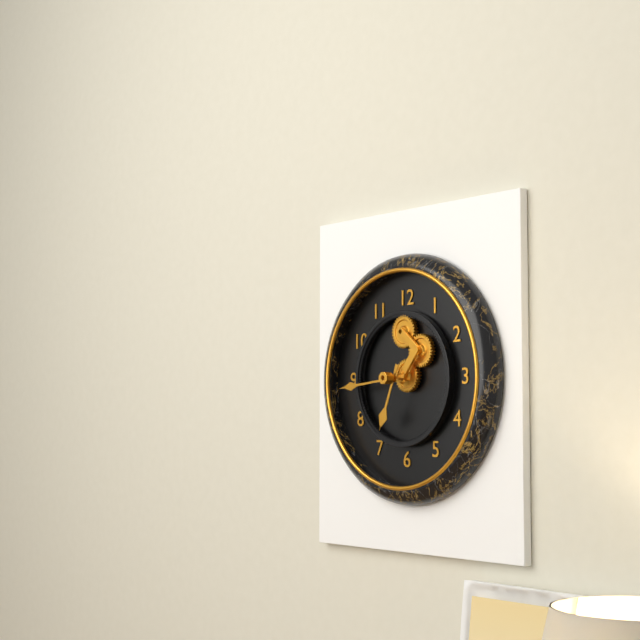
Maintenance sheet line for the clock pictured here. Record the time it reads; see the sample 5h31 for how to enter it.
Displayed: 6h44
